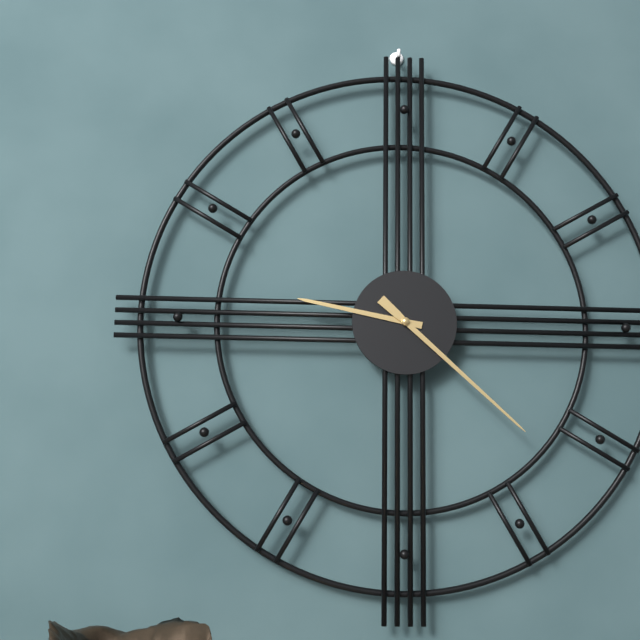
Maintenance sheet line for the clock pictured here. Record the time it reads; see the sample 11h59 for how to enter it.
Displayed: 9h22
